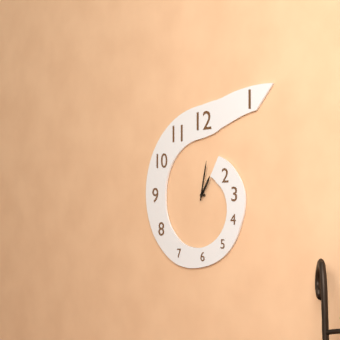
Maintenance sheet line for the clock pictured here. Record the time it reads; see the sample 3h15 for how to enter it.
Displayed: 1h02
